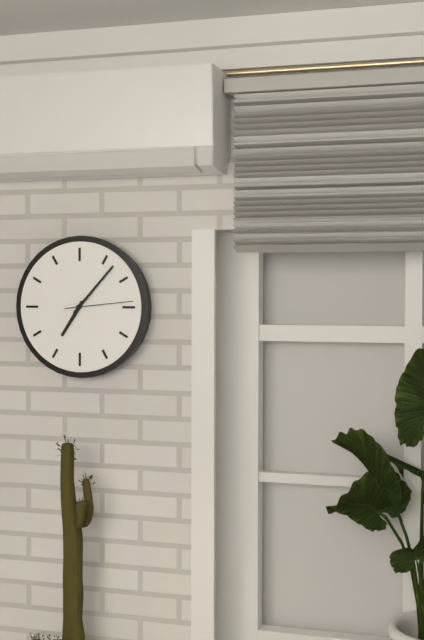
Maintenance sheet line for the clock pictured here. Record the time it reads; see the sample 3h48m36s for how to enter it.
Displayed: 7h07m14s
